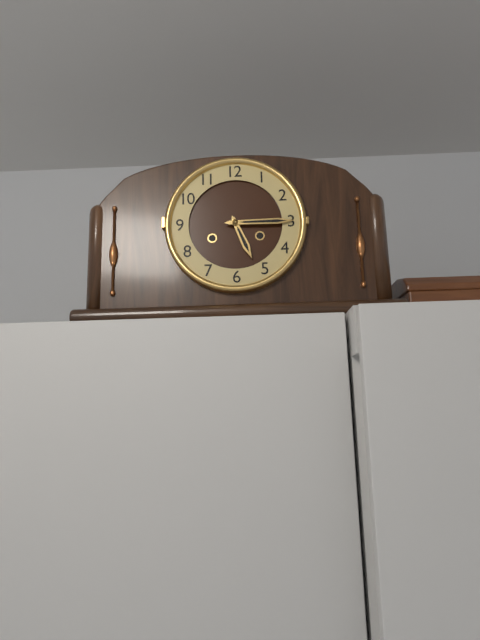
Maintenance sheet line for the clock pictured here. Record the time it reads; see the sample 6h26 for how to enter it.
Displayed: 5h15
